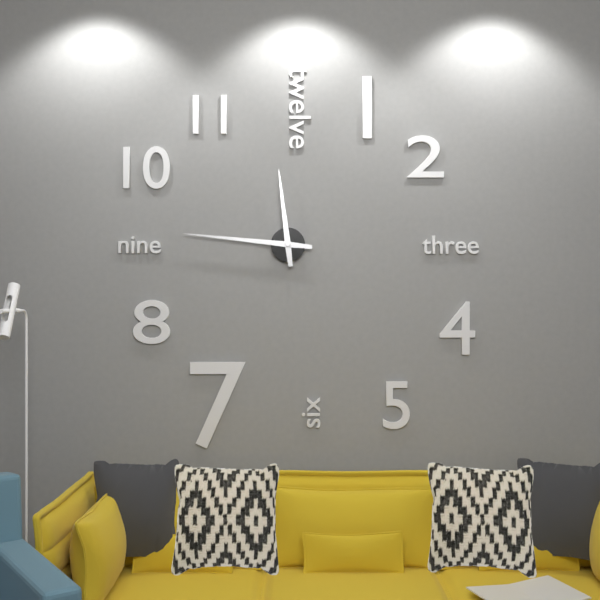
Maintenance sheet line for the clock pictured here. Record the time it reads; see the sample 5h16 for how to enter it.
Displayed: 11h46
